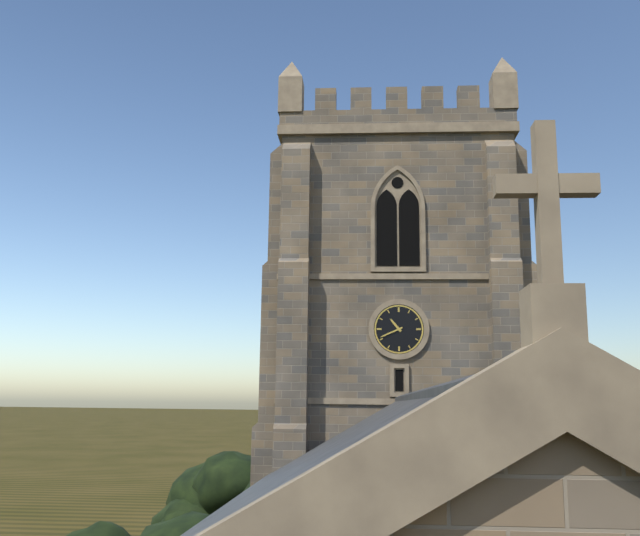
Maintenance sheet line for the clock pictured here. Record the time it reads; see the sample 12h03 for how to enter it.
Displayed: 10h41
